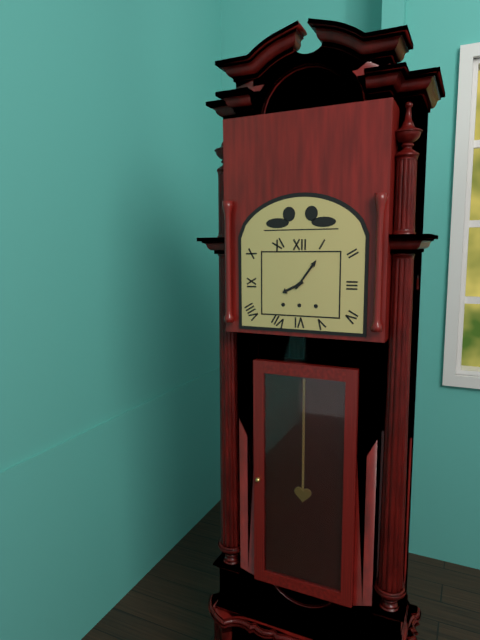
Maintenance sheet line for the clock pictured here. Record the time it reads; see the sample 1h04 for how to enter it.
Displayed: 8h06
